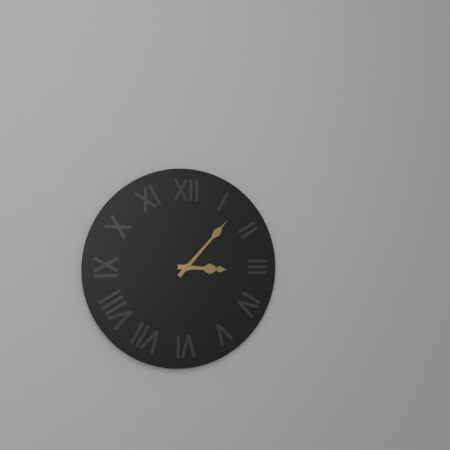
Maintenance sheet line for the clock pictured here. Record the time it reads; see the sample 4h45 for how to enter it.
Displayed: 3h07
